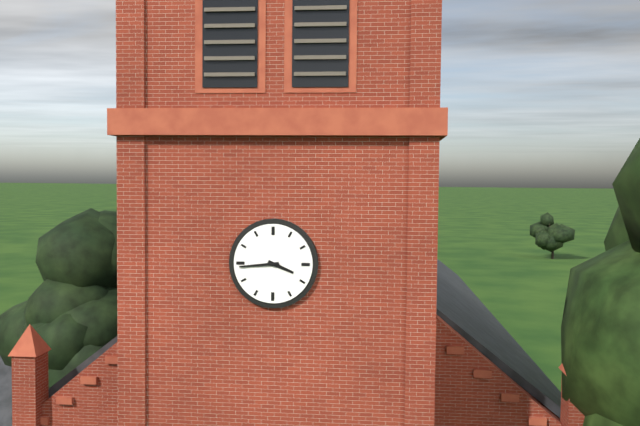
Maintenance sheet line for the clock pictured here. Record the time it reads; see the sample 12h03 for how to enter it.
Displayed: 3h44
